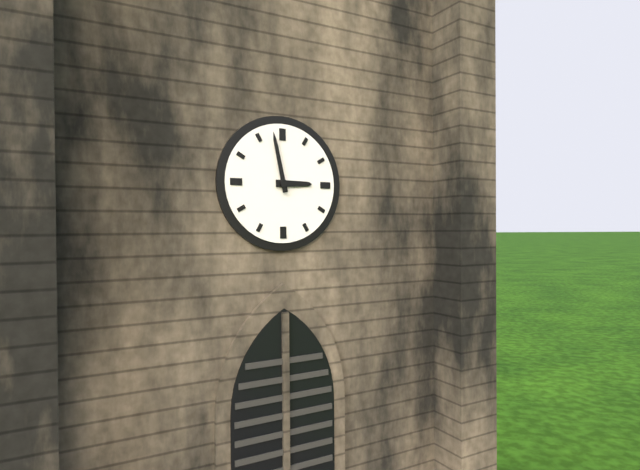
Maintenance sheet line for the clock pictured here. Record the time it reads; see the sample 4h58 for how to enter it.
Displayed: 2h58
